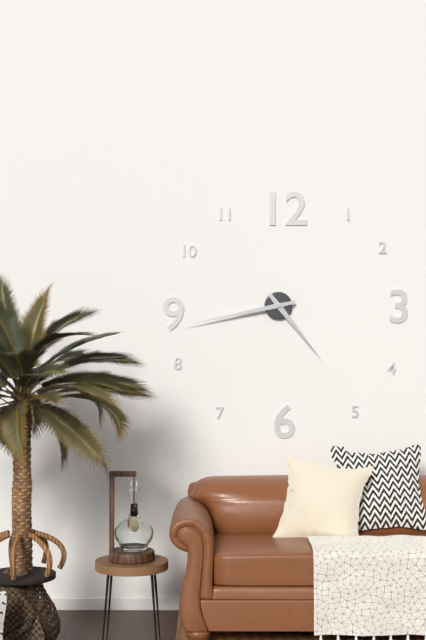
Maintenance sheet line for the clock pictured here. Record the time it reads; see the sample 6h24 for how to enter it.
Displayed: 4h43
